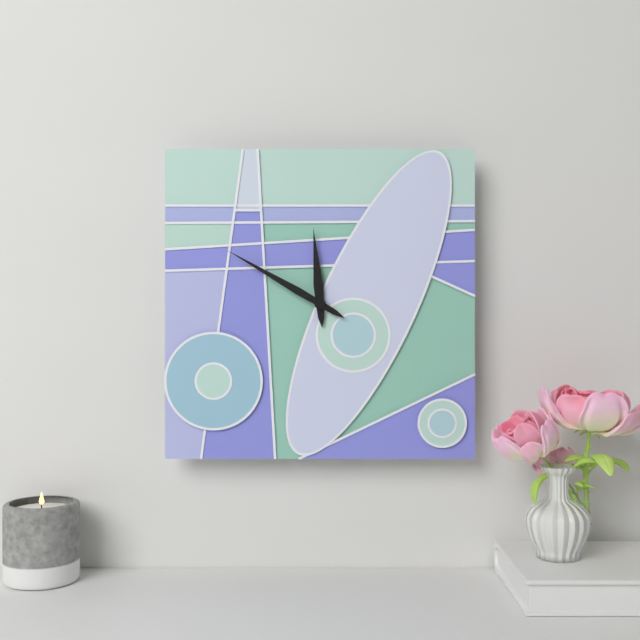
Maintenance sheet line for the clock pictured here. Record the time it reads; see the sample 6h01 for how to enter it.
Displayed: 11h50
